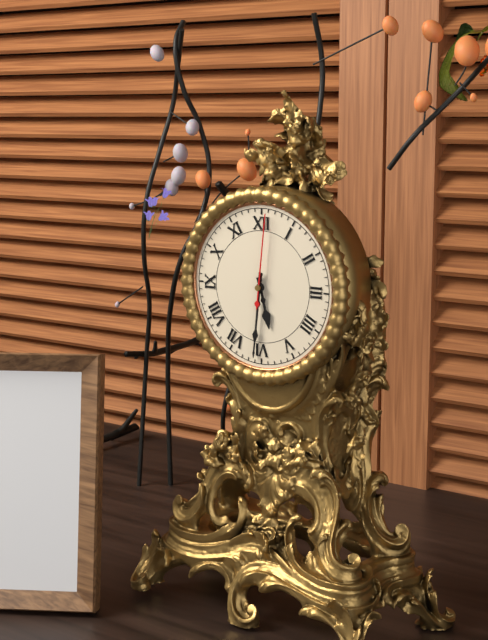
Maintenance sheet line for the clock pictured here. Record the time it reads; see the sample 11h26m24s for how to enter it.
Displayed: 5h31m01s
